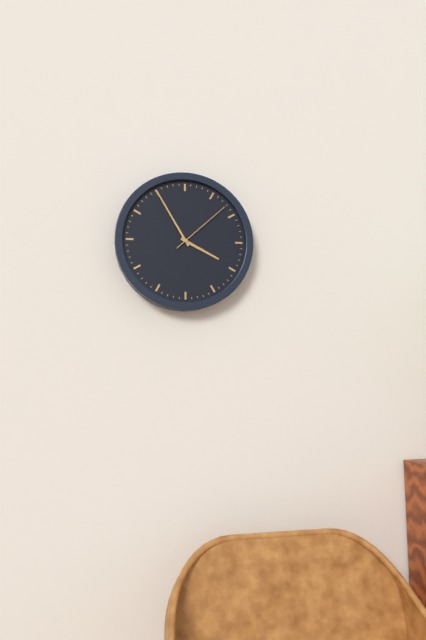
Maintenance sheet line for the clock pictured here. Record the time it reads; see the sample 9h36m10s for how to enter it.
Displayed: 3h55m08s
